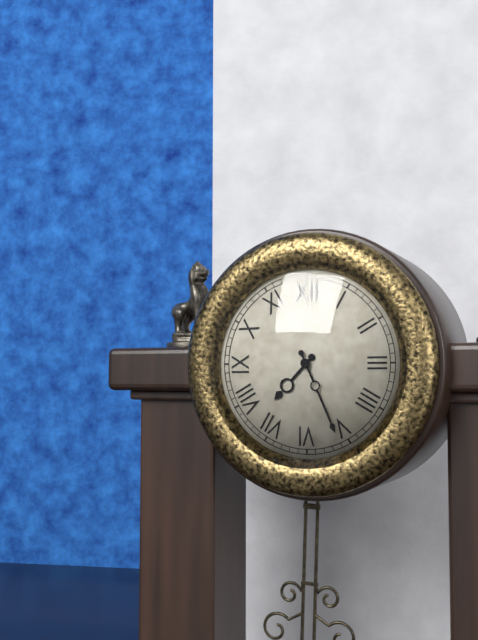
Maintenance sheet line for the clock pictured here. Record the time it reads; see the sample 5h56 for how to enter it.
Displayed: 7h26
